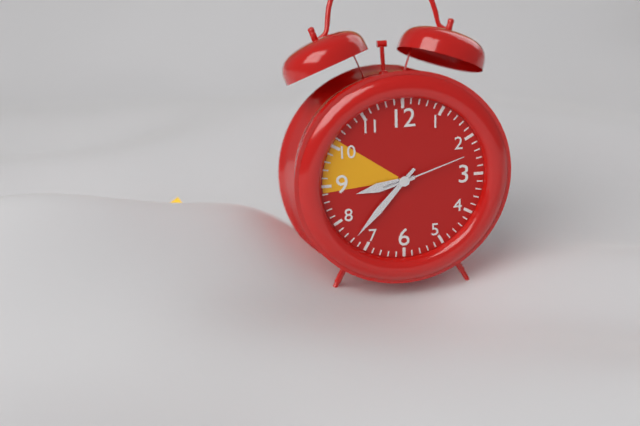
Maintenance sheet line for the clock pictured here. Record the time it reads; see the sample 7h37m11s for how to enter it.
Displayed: 8h37m12s
